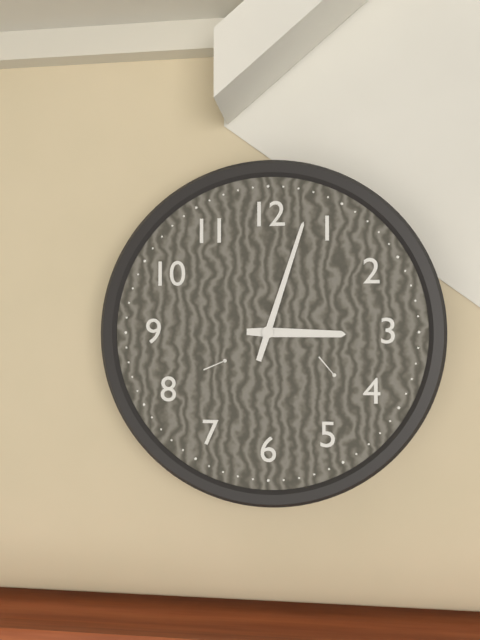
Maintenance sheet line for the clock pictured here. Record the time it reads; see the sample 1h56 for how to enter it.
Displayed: 3h03
